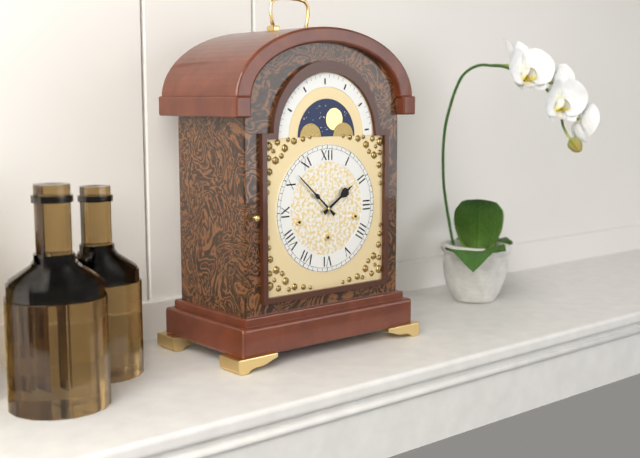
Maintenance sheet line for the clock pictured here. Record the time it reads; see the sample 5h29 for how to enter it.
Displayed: 1h52
